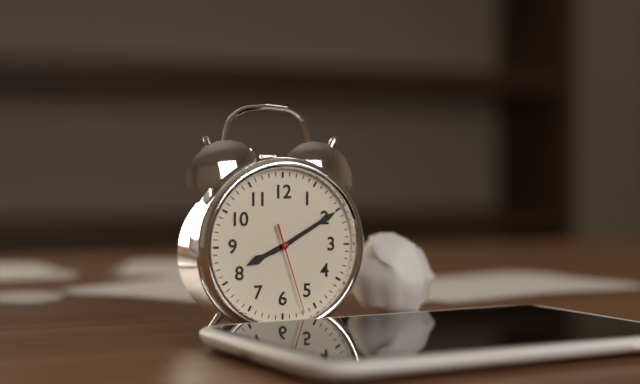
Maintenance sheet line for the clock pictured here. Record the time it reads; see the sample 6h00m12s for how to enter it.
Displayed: 8h10m27s
